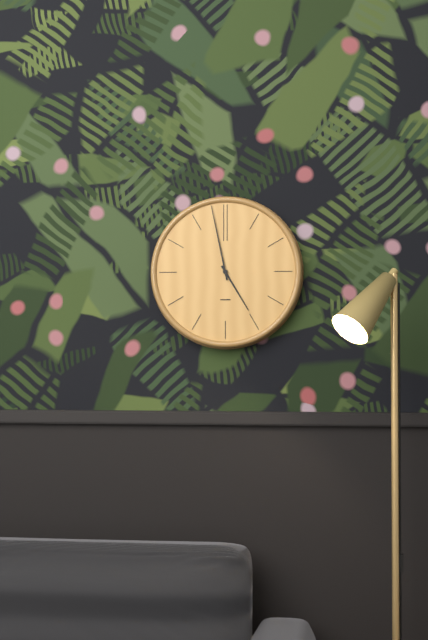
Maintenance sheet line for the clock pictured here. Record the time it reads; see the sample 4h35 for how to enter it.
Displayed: 4h58
